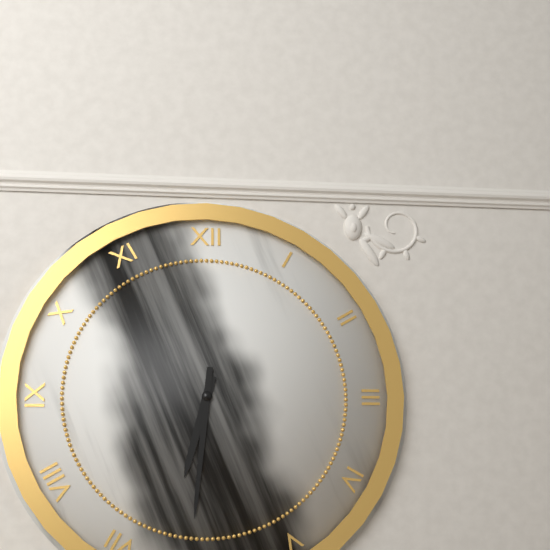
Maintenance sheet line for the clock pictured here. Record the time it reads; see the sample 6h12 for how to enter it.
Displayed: 6h31
